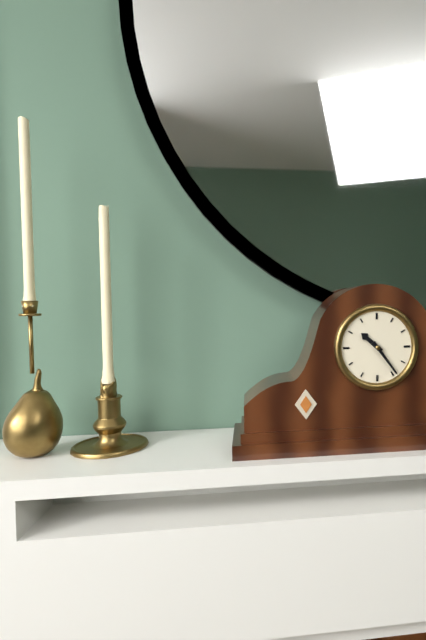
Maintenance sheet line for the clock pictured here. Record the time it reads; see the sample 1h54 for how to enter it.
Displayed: 10h24
